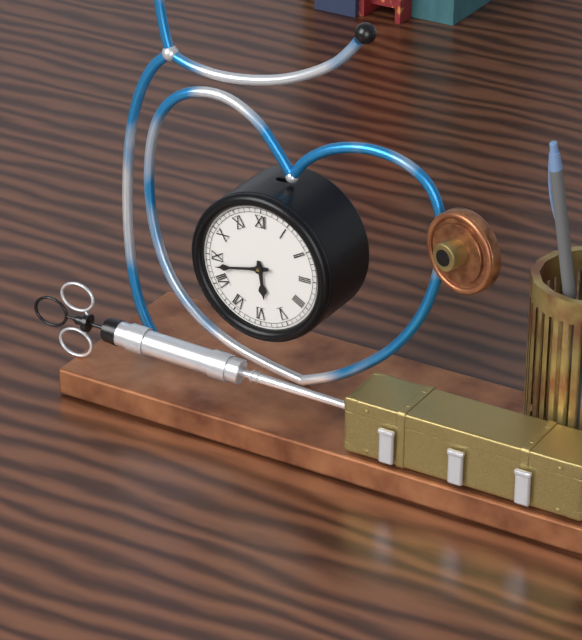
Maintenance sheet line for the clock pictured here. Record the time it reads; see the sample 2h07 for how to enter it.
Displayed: 5h43
